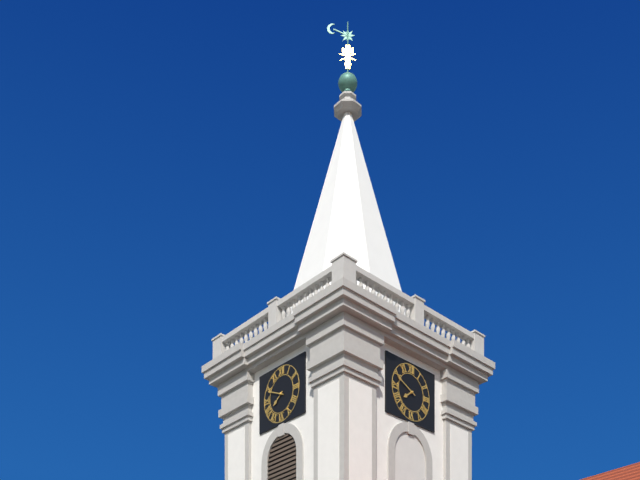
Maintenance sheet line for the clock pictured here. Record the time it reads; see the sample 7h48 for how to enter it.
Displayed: 7h49
